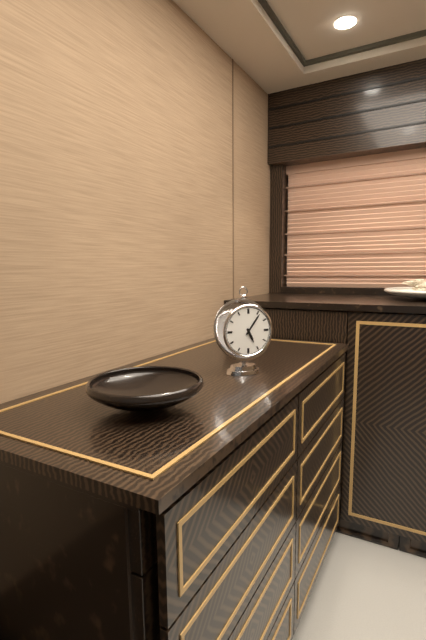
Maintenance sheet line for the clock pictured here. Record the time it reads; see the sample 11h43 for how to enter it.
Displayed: 5h06
